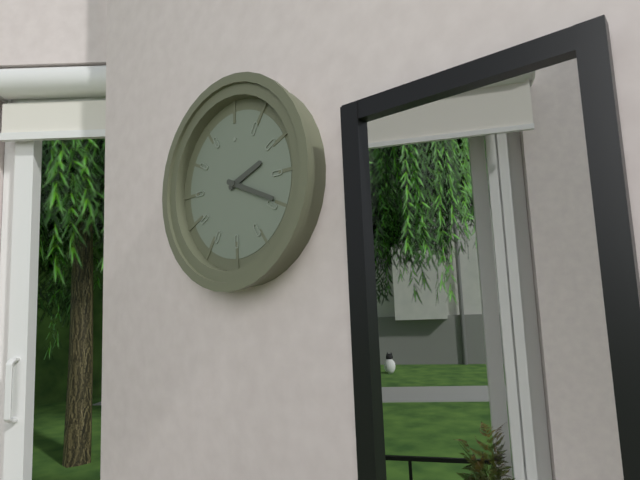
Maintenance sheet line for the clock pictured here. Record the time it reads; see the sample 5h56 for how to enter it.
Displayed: 2h19
